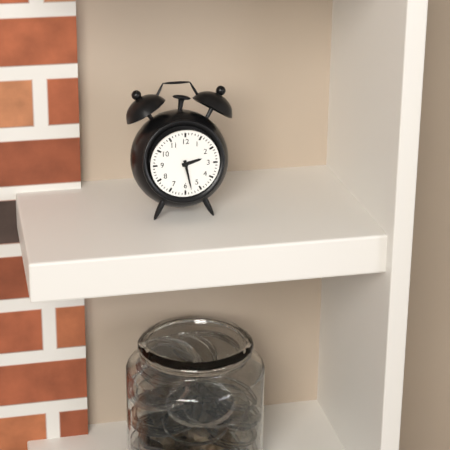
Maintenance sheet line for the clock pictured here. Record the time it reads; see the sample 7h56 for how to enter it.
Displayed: 2h28
